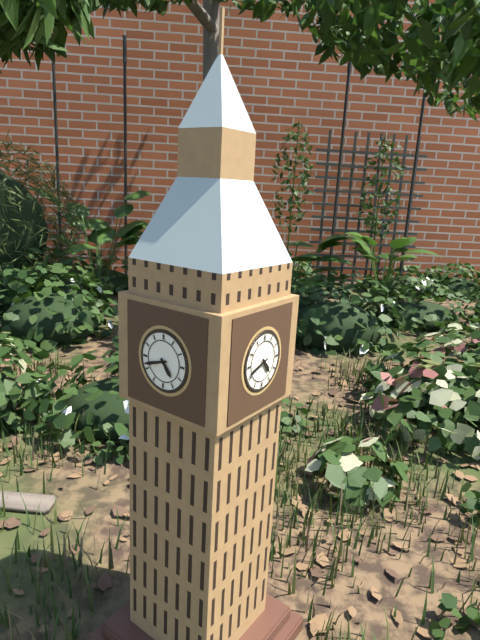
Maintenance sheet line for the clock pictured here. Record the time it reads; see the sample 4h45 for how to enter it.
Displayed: 4h42
